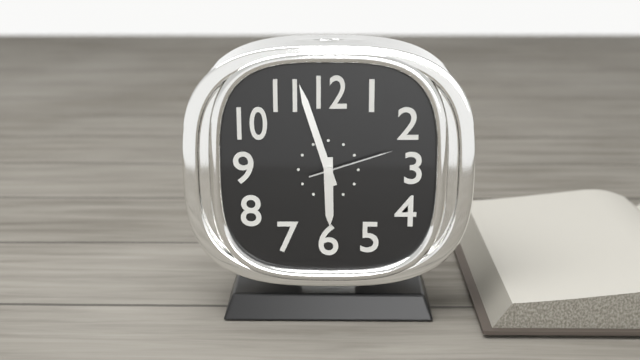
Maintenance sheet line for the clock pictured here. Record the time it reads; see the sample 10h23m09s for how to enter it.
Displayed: 5h57m12s
